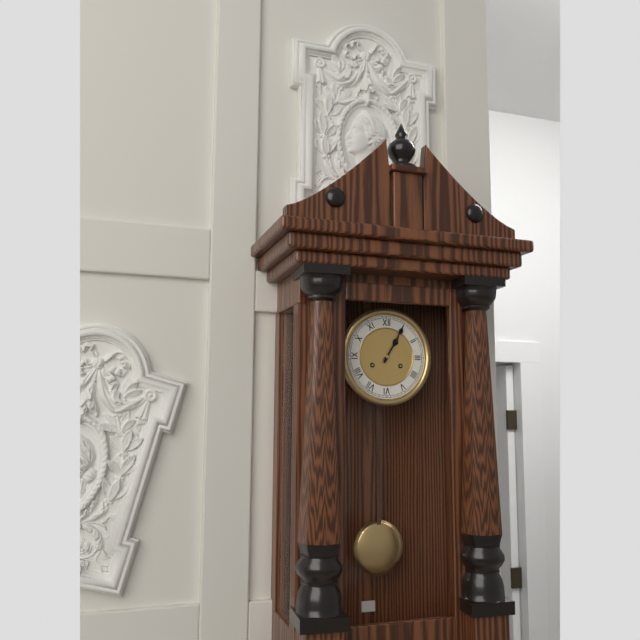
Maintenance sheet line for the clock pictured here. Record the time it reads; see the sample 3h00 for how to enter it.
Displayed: 1h05
